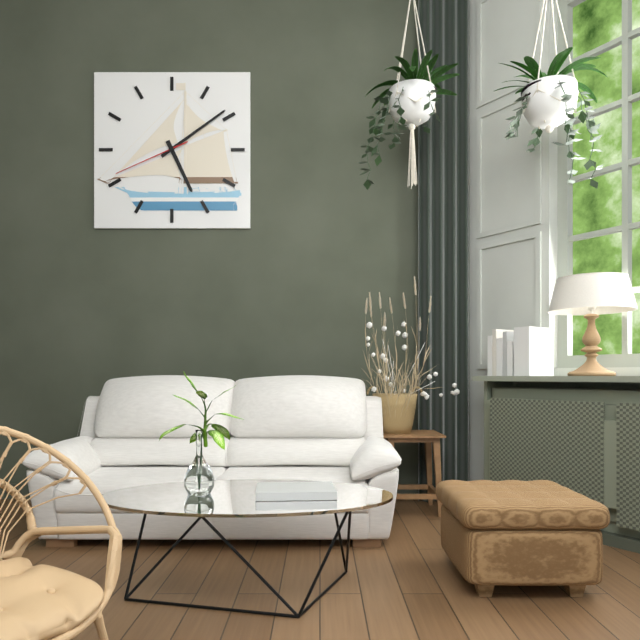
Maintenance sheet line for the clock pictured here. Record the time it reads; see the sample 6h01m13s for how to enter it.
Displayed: 5h09m41s
